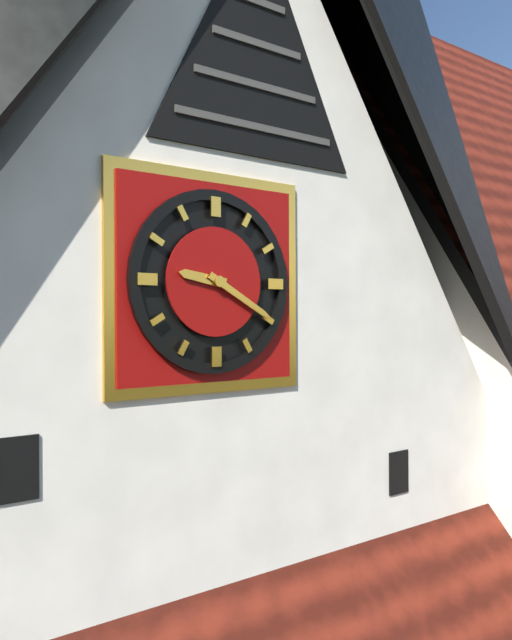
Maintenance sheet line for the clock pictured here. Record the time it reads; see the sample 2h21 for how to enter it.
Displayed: 9h20
